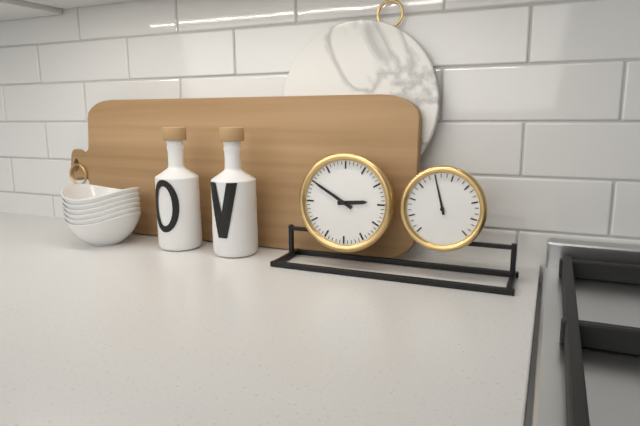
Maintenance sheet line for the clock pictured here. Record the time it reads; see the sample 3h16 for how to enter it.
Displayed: 2h50
